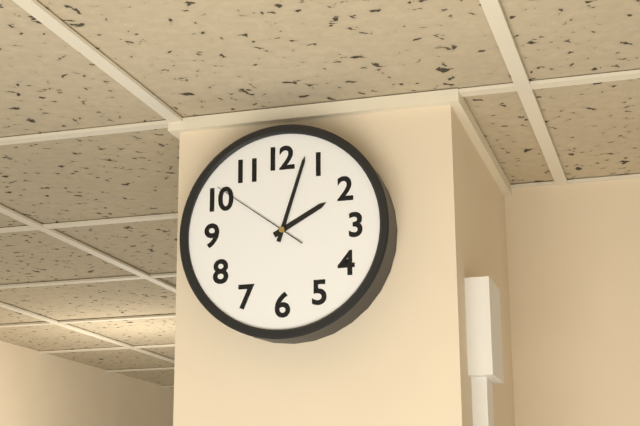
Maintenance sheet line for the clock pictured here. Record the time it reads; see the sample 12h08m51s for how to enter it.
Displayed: 2h03m51s
